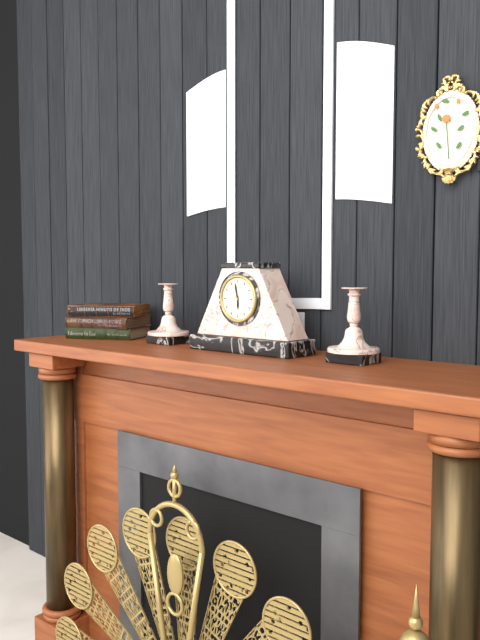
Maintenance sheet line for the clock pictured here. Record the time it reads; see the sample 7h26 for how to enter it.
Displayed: 5h58
